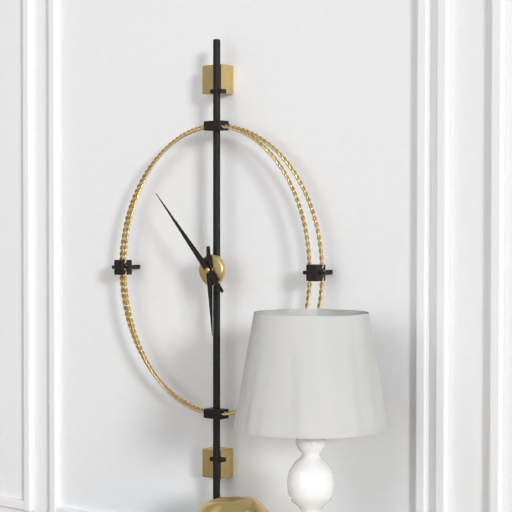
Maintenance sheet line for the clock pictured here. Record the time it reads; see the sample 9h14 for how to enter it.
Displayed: 5h53
